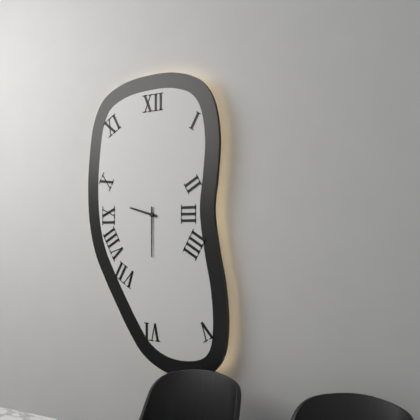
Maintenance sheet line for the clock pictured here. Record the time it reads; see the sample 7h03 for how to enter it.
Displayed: 9h30
